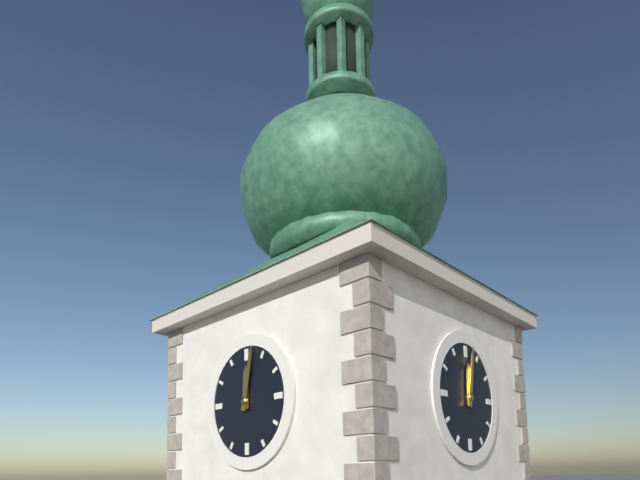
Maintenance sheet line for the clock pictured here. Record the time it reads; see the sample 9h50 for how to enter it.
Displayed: 12h02
